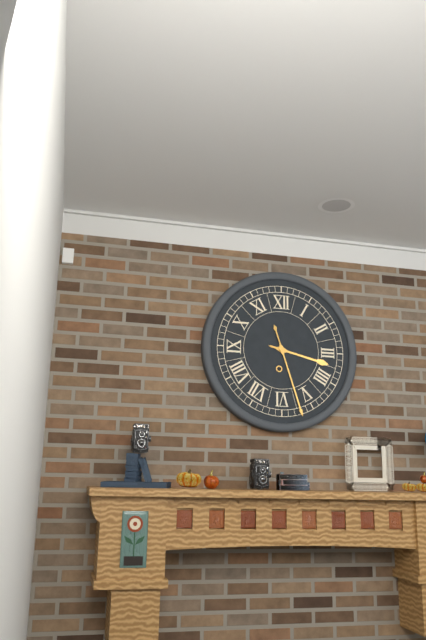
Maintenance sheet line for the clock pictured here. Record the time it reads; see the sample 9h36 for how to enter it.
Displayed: 3h27
